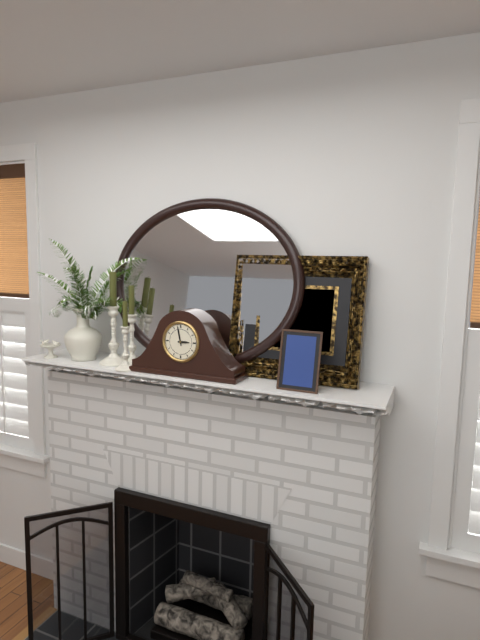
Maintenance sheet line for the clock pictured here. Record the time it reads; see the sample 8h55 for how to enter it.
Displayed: 2h58
